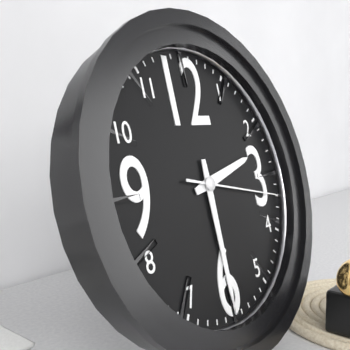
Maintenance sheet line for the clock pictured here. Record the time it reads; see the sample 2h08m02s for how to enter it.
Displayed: 2h30m17s
